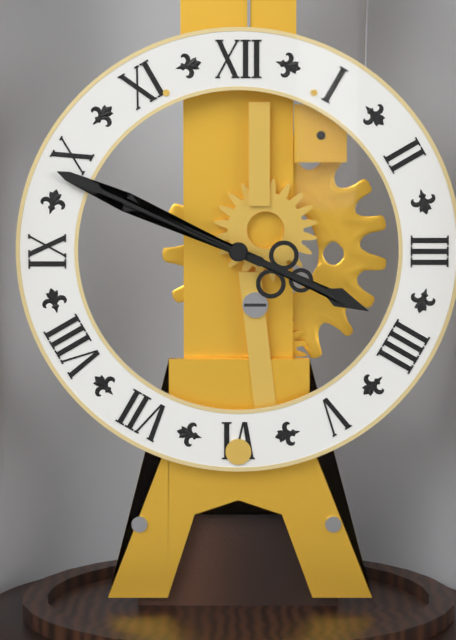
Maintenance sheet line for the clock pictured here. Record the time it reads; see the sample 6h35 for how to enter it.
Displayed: 3h49
